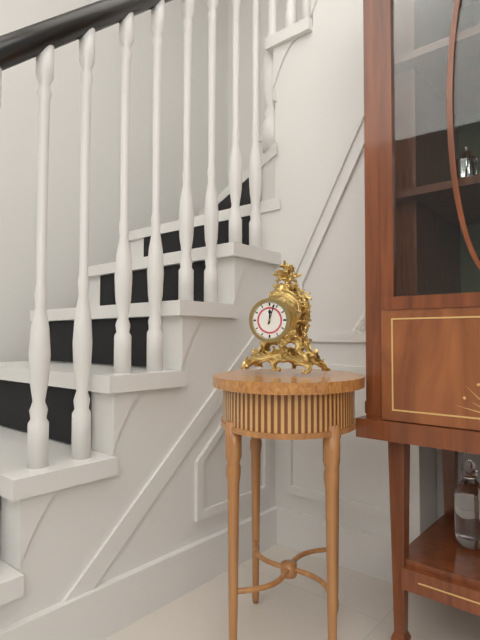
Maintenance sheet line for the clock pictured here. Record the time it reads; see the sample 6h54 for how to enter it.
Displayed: 12h03
